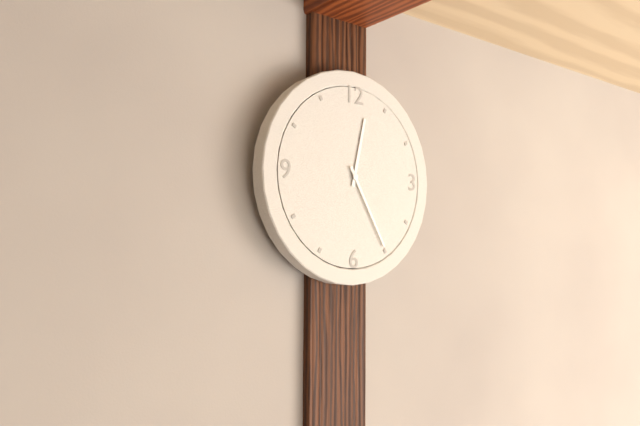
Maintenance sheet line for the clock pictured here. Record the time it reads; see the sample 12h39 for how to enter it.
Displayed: 12h25
